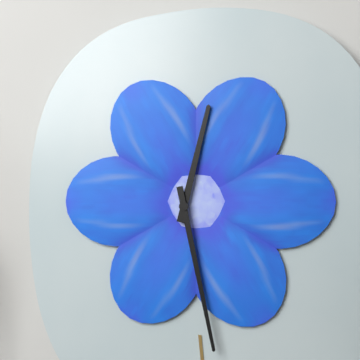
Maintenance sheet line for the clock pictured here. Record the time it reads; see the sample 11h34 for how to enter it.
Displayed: 12h28
